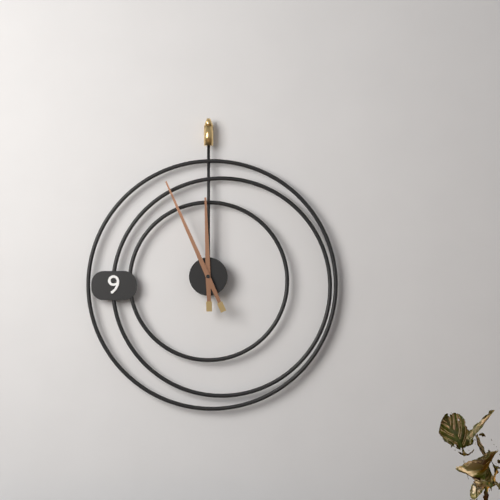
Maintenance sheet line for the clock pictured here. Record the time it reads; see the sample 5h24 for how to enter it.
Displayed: 11h56
